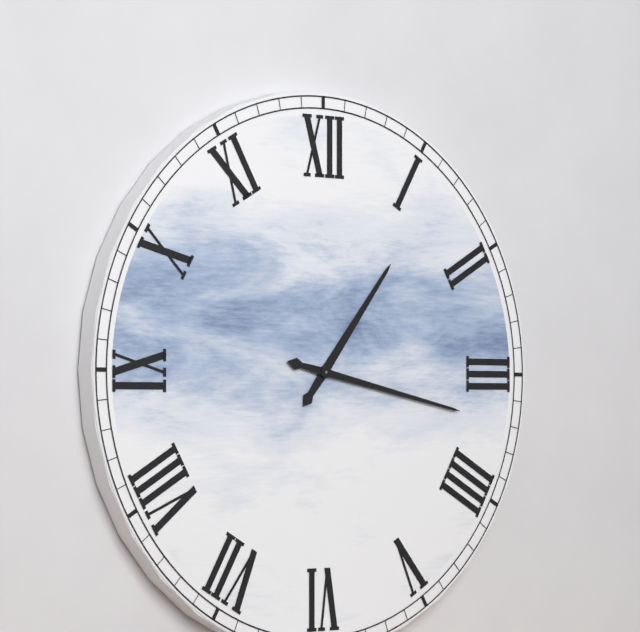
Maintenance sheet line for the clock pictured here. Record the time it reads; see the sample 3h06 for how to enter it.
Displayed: 1h17
